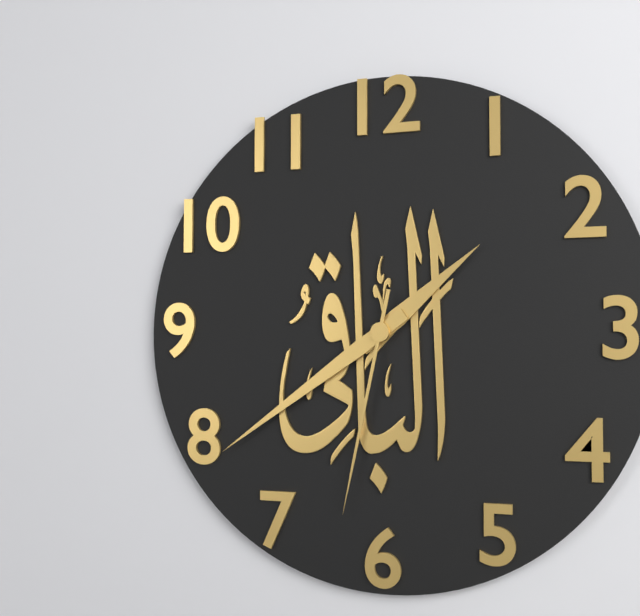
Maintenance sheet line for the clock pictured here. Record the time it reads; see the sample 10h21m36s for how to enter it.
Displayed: 1h39m32s
